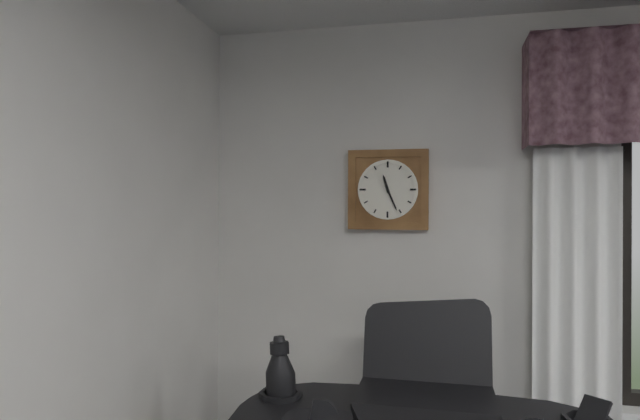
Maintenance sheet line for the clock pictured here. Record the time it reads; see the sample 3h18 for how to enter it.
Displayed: 11h26
